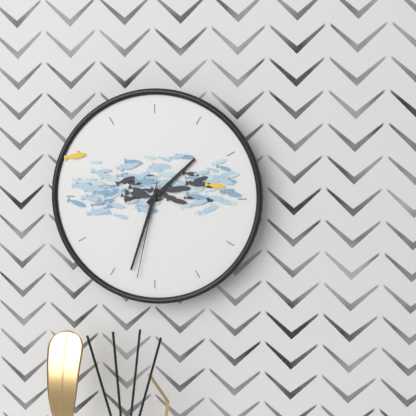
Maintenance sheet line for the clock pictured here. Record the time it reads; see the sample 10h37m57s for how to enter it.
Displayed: 1h33m32s
